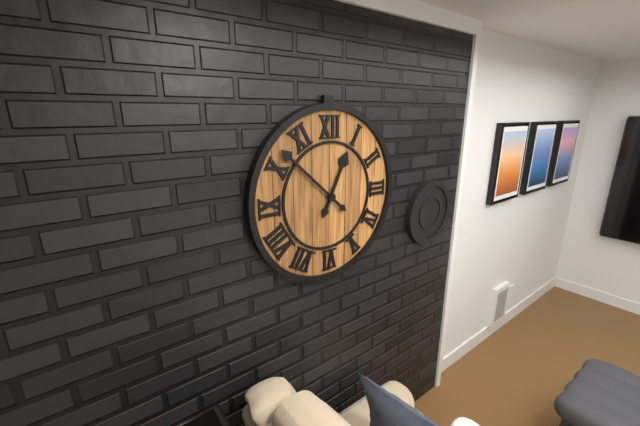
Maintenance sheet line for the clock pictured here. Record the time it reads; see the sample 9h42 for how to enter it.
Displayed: 12h52
